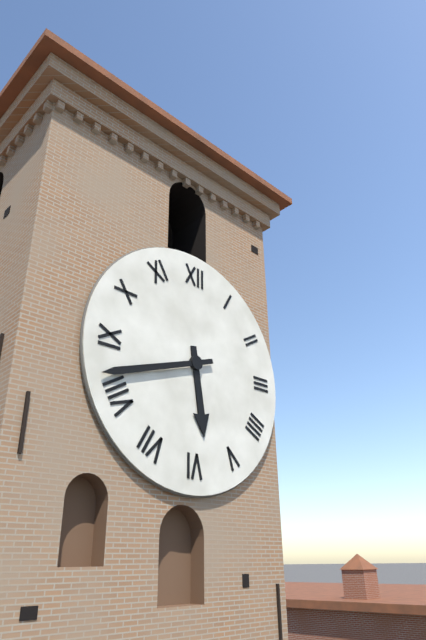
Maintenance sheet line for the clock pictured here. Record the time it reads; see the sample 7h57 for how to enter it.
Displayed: 5h42
